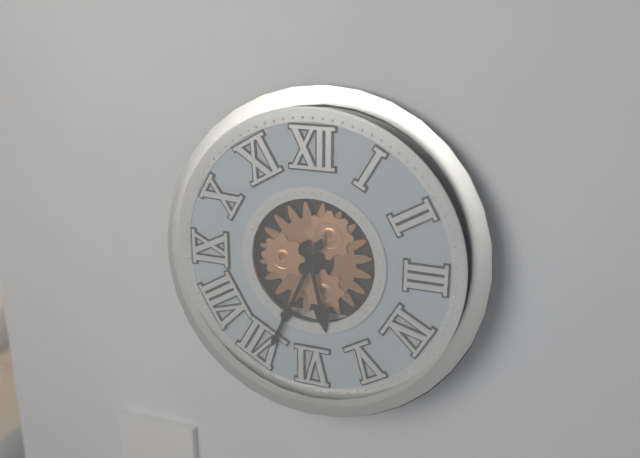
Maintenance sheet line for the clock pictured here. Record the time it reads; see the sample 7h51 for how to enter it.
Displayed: 5h34
